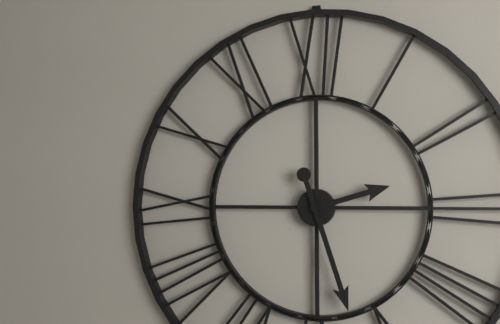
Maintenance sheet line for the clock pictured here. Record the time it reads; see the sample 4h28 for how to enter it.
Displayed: 2h27
